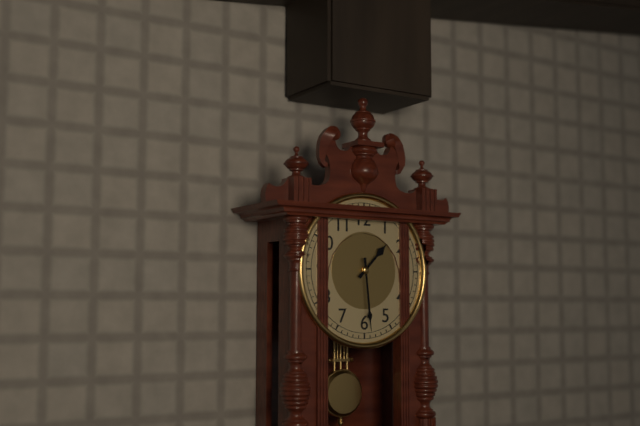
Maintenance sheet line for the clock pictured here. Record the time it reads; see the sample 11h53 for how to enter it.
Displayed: 1h29
